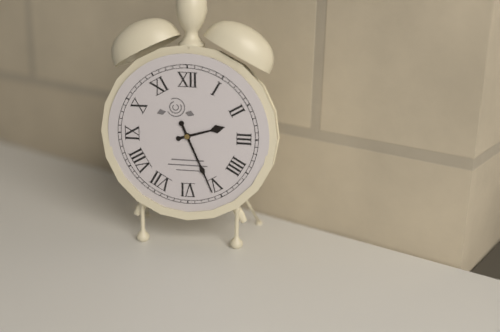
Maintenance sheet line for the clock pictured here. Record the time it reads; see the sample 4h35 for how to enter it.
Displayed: 2h26
